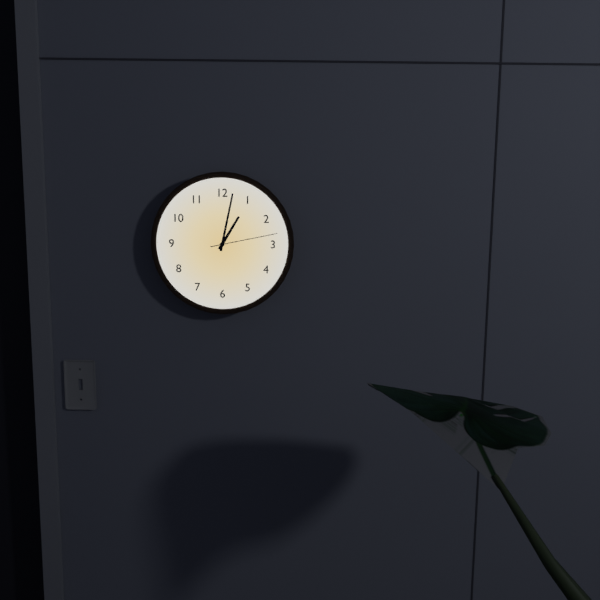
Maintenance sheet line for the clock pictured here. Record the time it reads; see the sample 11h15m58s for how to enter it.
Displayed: 1h02m13s
